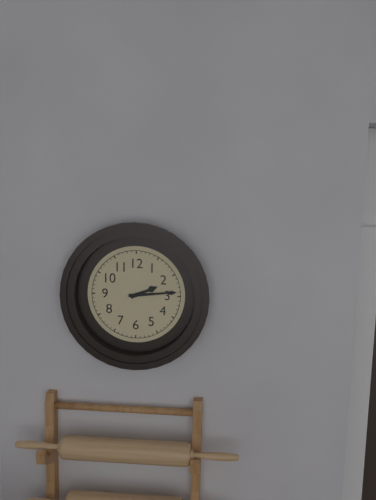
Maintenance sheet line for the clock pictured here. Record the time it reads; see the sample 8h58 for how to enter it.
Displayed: 2h14
